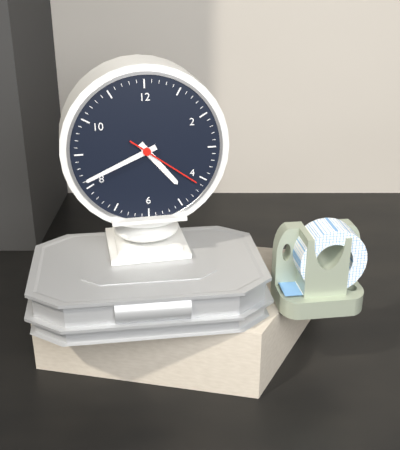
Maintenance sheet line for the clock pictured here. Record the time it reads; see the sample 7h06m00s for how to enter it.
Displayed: 4h41m21s
